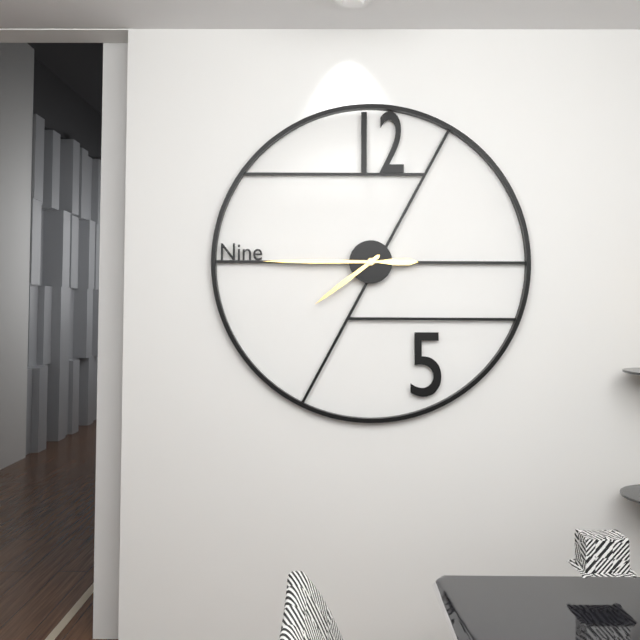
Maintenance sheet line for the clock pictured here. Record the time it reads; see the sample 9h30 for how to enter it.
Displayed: 7h45
